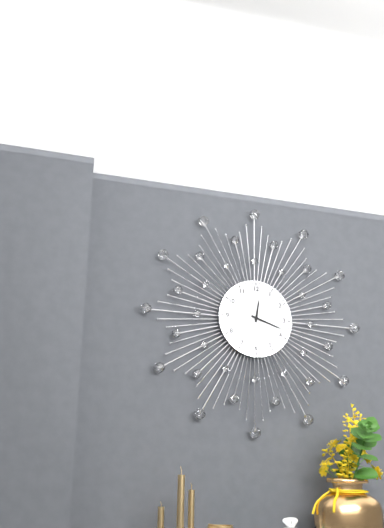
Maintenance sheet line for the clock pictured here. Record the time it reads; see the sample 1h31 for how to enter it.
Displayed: 12h18
